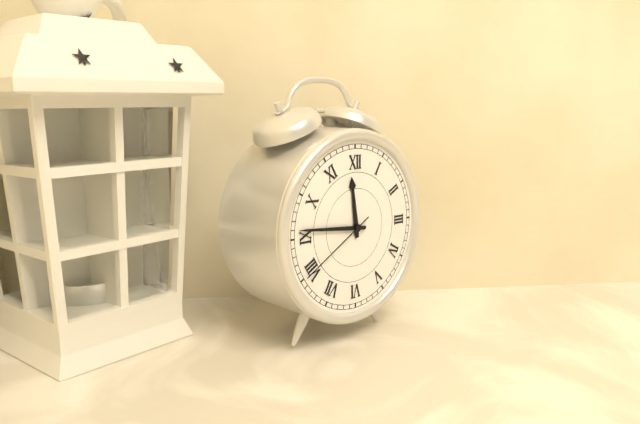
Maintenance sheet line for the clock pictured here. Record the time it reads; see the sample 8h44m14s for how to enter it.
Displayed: 11h46m40s
